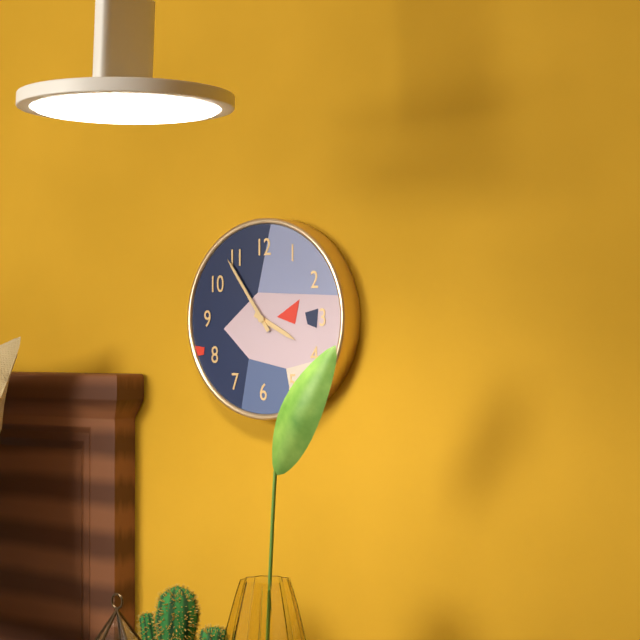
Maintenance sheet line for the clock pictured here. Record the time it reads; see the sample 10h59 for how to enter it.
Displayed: 3h54
